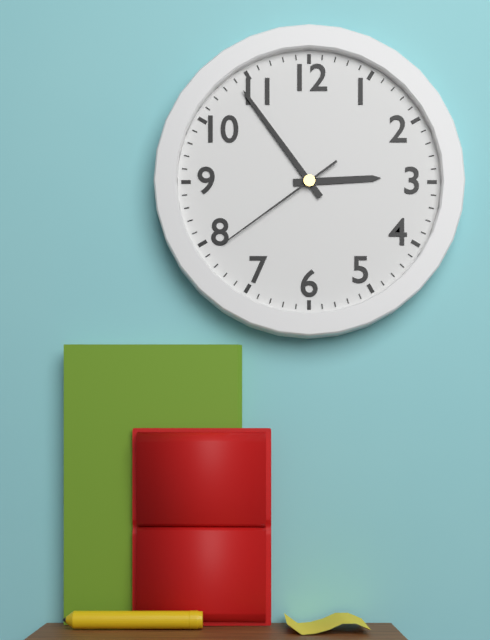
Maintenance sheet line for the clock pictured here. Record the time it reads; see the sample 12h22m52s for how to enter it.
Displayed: 2h54m39s
